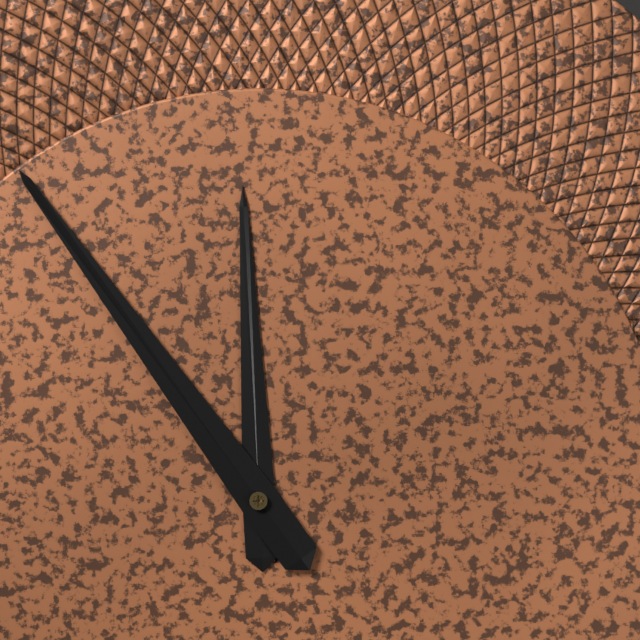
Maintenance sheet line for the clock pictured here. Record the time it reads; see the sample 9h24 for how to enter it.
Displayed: 11h54
